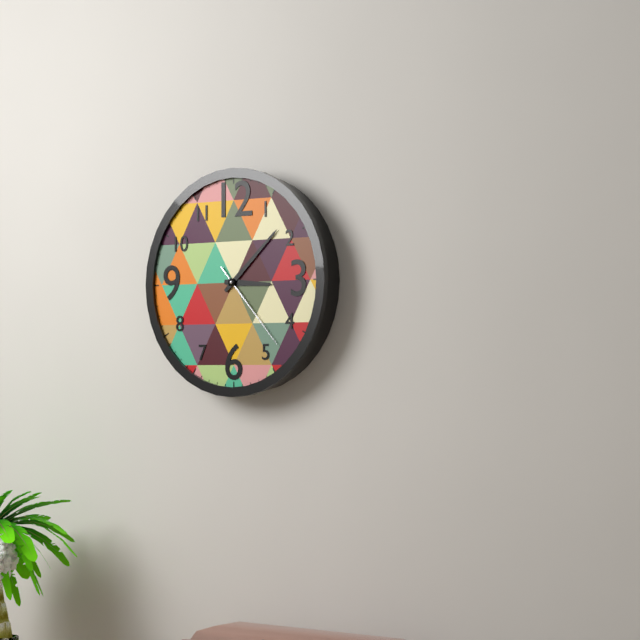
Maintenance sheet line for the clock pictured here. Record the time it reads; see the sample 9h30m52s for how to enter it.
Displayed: 3h08m23s
